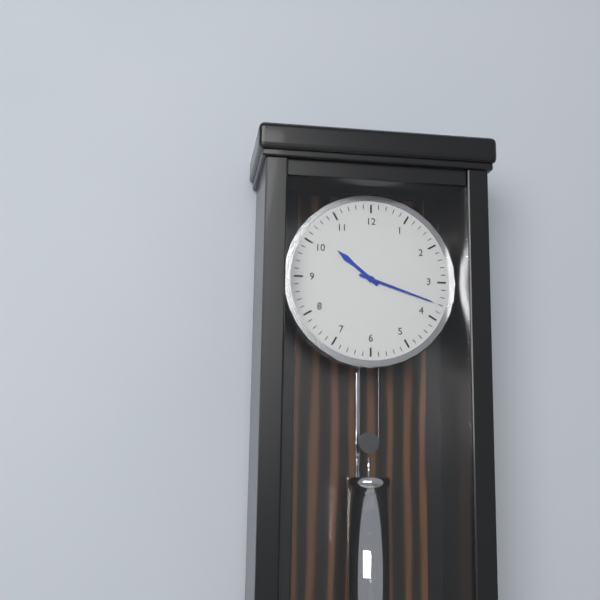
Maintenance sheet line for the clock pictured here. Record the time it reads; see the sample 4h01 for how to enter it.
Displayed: 10h18
